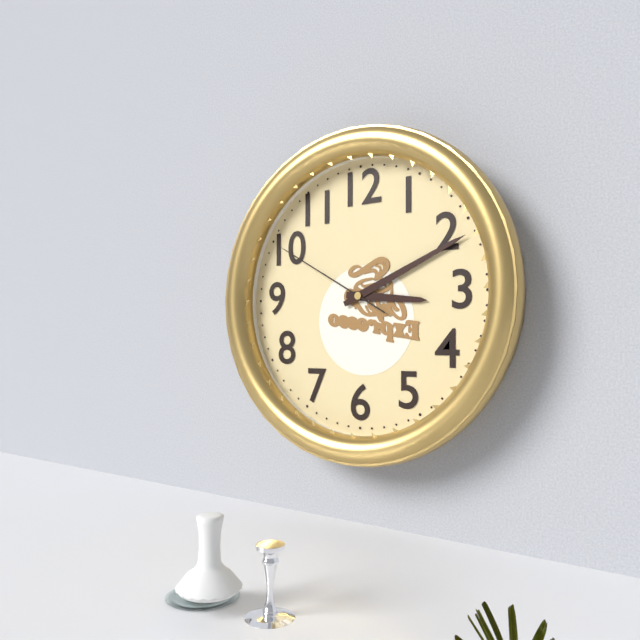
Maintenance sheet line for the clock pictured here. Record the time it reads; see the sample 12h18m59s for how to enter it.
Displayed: 3h11m50s
